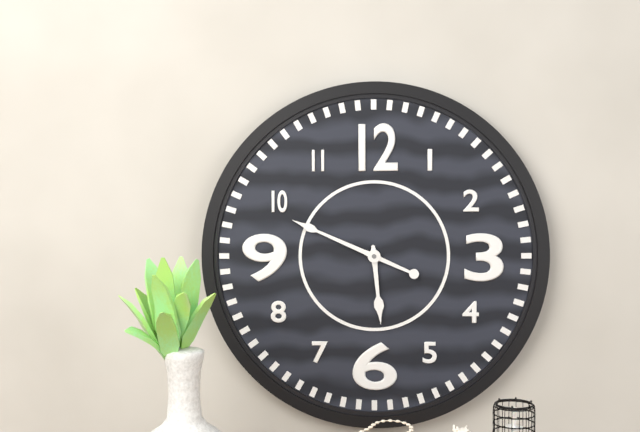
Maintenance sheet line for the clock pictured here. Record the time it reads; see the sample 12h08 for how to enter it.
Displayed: 5h49
